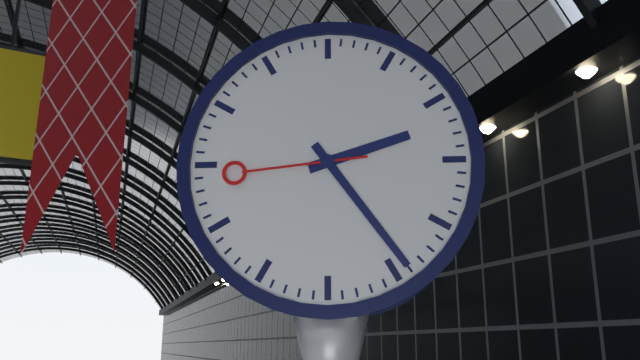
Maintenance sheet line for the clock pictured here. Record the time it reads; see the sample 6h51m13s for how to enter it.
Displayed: 2h24m44s
